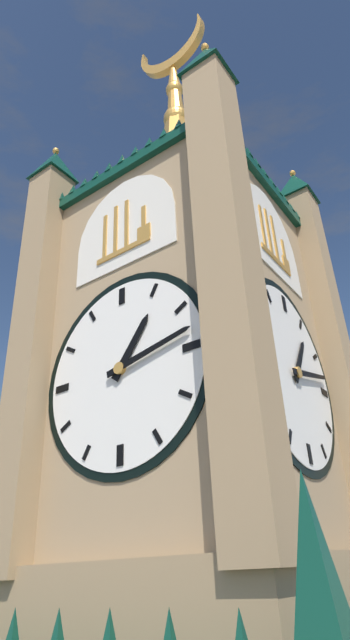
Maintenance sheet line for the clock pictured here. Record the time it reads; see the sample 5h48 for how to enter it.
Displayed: 1h13
